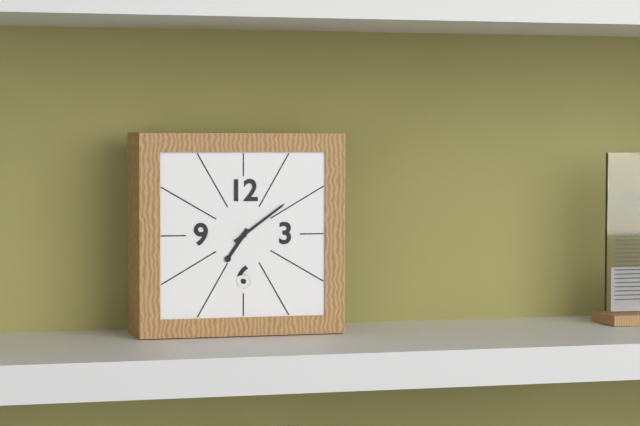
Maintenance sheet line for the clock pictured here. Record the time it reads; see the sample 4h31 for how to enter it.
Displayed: 7h09
